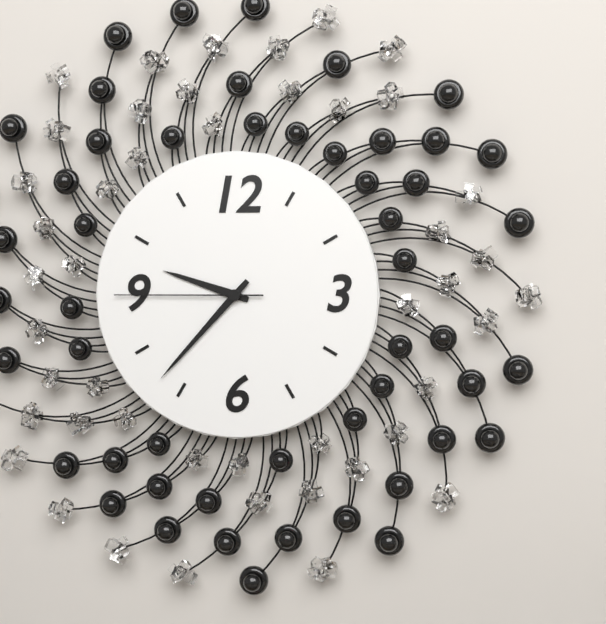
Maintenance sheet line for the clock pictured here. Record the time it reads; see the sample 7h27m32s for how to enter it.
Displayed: 9h37m45s
